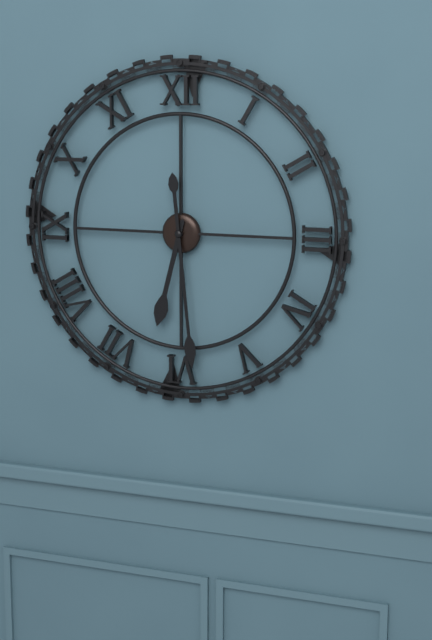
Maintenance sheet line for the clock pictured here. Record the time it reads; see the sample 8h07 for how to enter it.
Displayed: 6h29
